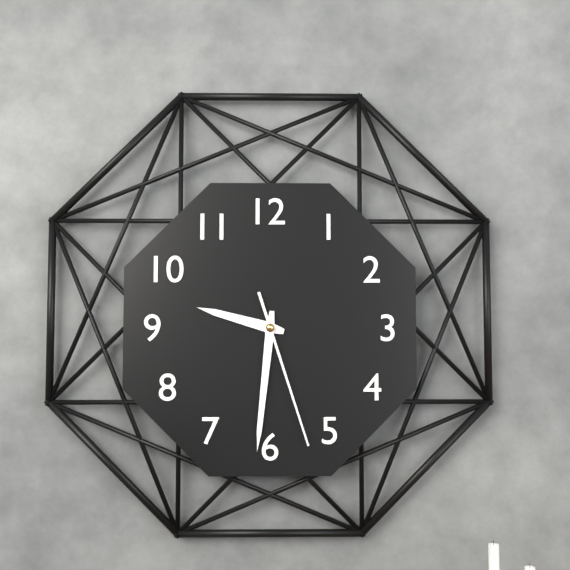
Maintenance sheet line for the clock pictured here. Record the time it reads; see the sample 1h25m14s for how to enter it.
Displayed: 9h31m27s
